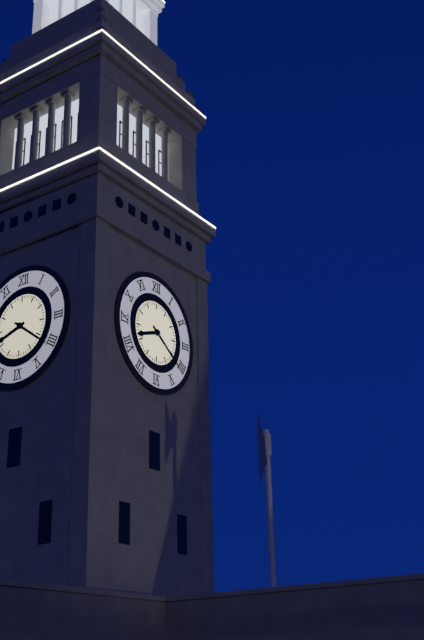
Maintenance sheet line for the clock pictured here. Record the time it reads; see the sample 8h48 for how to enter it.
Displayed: 8h21
